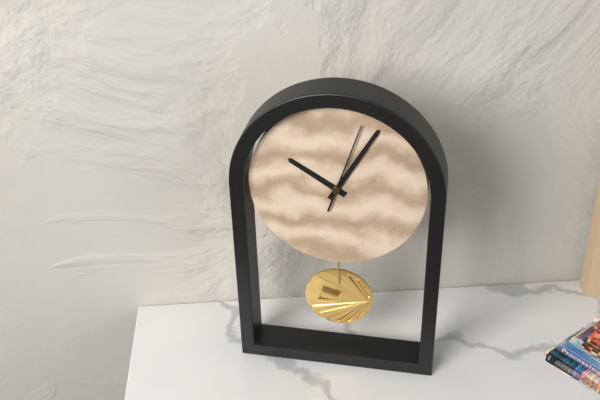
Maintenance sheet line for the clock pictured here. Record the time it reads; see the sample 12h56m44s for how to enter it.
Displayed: 10h05m03s
